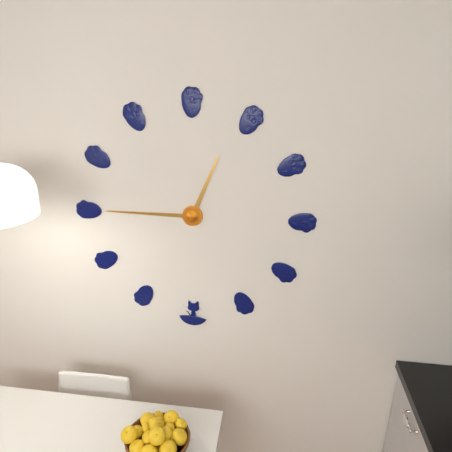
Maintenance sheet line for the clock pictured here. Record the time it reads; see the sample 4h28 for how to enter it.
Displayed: 12h45
